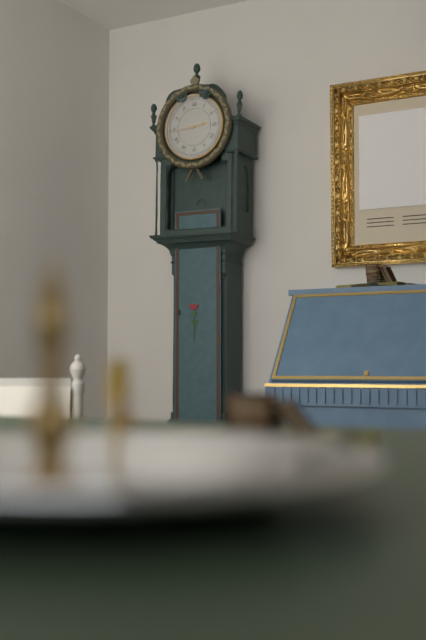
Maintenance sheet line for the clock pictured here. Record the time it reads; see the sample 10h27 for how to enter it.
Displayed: 2h44
